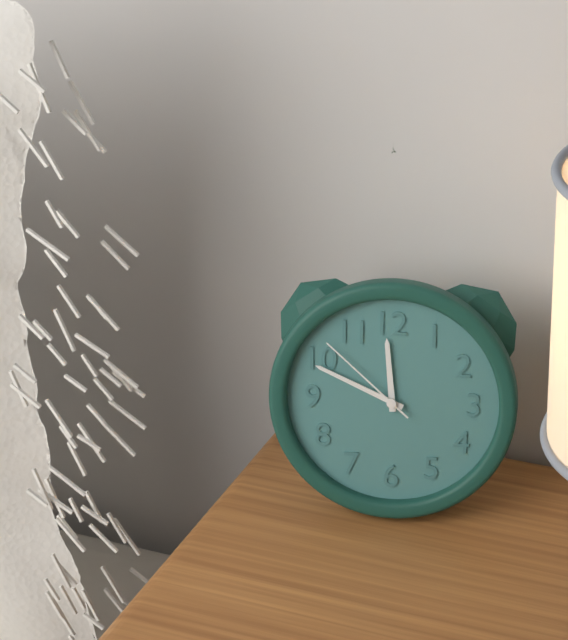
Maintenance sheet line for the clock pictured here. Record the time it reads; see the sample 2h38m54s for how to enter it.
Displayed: 11h49m52s
